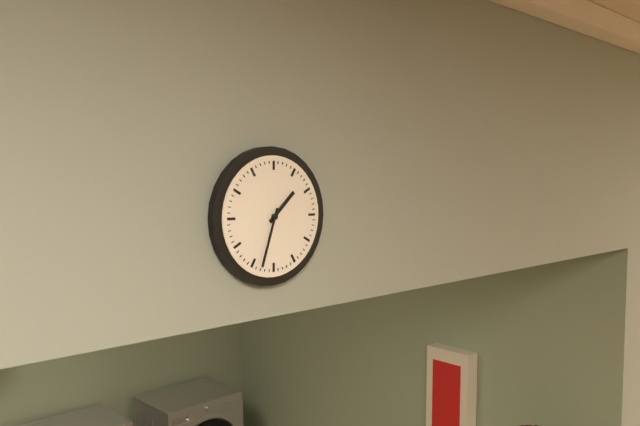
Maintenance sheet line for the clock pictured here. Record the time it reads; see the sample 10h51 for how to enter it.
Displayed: 1h33
